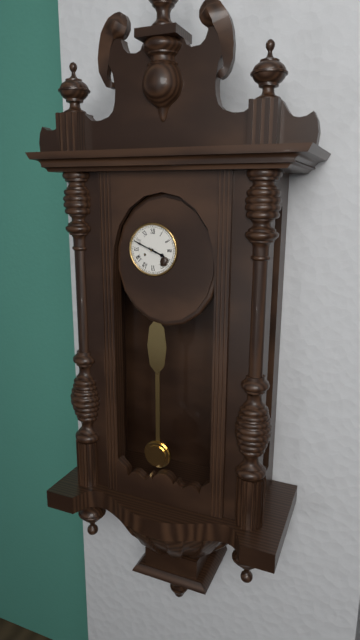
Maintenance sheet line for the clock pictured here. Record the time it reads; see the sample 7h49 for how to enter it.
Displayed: 3h49
